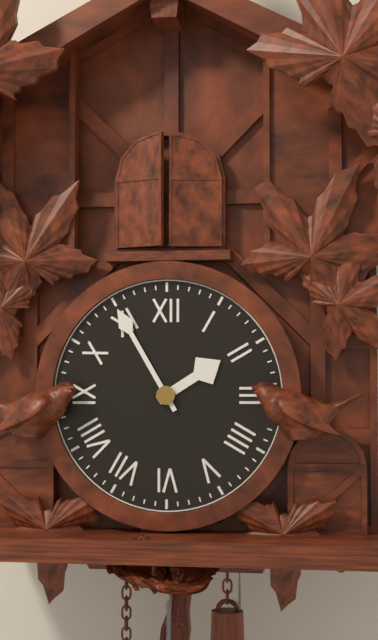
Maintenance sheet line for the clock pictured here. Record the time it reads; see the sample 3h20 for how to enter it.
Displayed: 1h55
